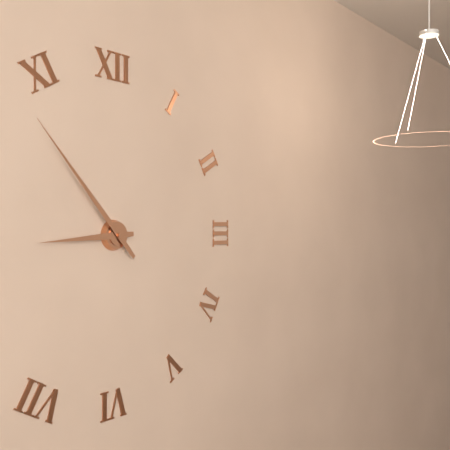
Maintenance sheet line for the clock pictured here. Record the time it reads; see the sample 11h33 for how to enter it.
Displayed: 8h53
